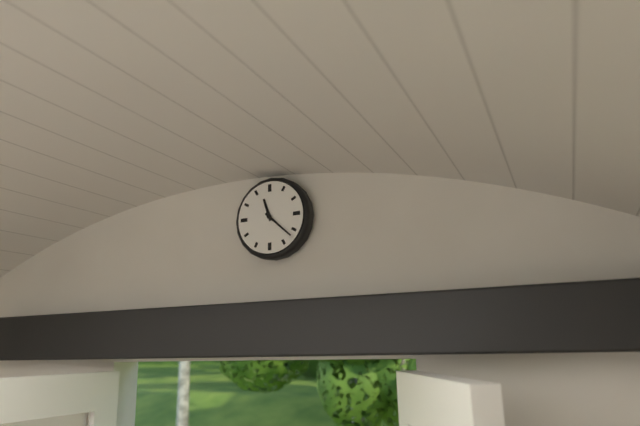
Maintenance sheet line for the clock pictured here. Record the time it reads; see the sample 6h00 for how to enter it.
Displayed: 11h22
